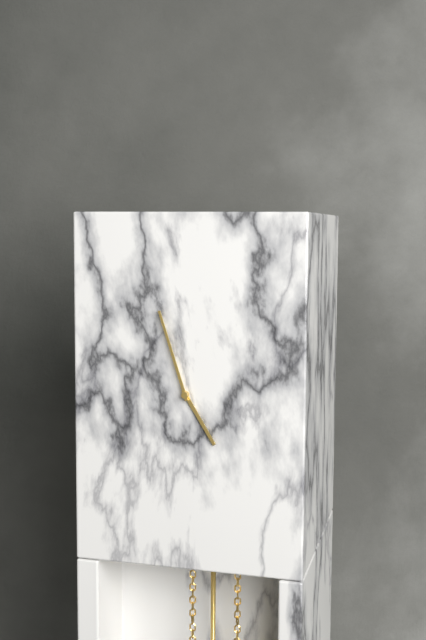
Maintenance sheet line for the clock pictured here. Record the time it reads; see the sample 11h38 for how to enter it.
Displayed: 4h57
